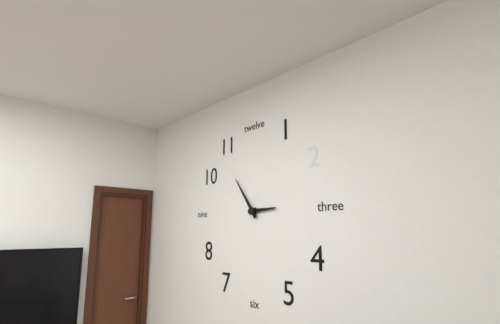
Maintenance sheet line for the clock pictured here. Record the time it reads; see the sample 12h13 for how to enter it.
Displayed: 2h54
